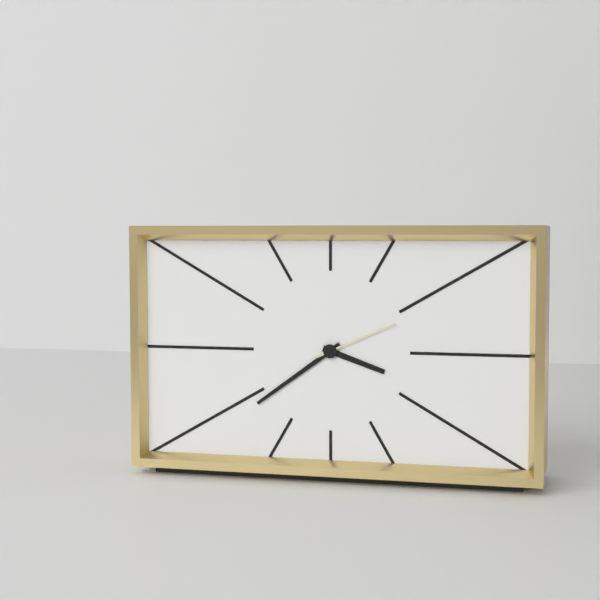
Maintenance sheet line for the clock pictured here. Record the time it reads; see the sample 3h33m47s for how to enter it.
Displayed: 3h39m11s
